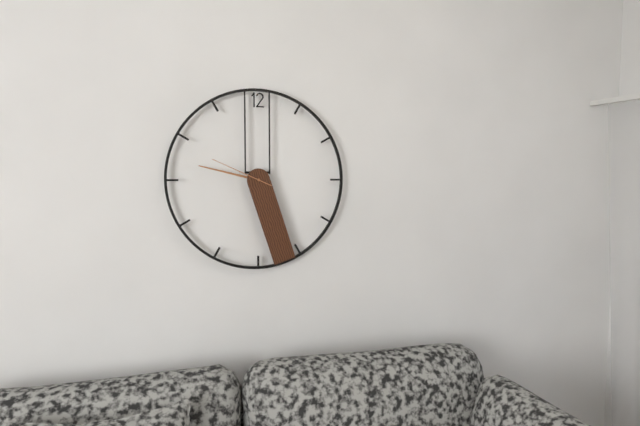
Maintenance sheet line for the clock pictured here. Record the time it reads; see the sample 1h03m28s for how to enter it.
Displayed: 9h27m49s
